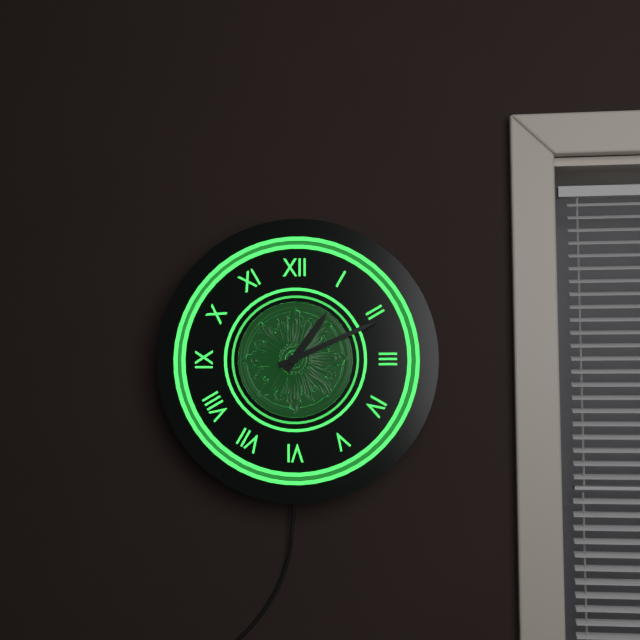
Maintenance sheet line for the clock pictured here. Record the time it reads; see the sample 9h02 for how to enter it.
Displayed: 1h11
